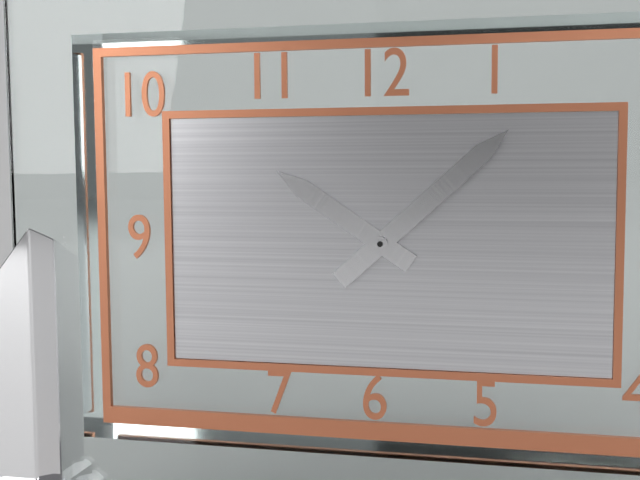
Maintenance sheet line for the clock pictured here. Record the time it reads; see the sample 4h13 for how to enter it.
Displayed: 10h08
